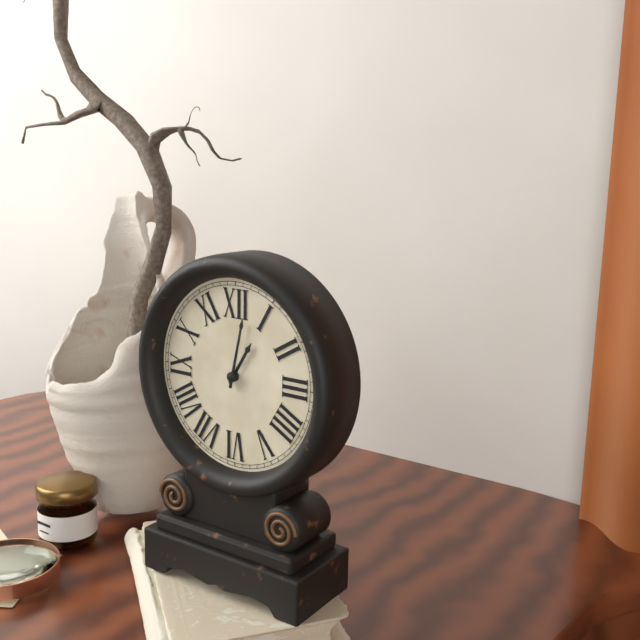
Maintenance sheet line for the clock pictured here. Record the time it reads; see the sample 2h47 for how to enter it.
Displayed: 1h02
